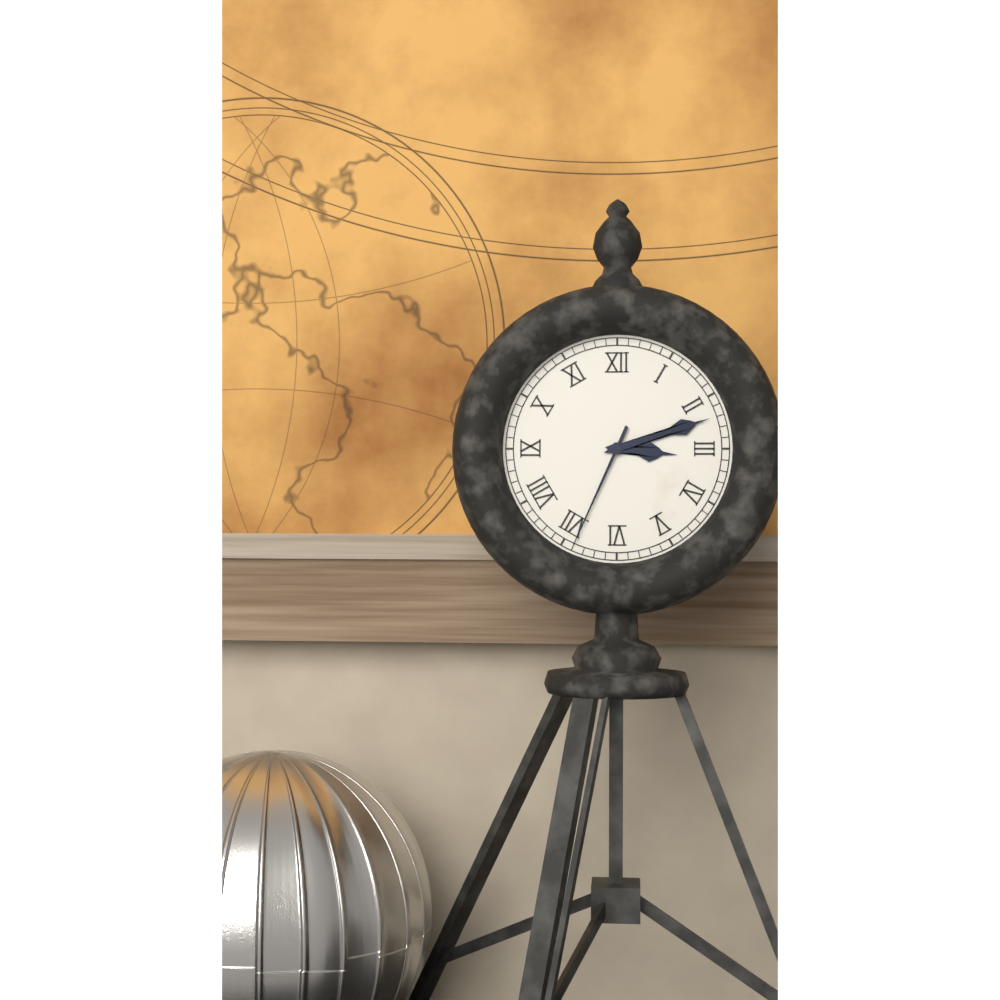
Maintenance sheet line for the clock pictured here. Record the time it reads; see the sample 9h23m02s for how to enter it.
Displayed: 3h12m34s
